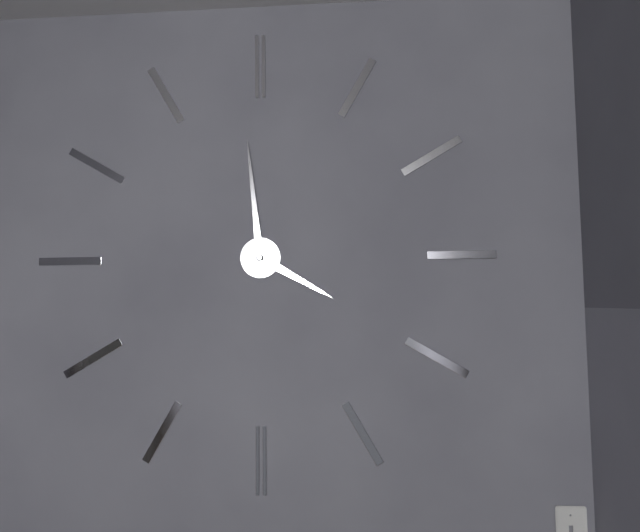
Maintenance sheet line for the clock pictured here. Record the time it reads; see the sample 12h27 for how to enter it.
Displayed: 3h59
